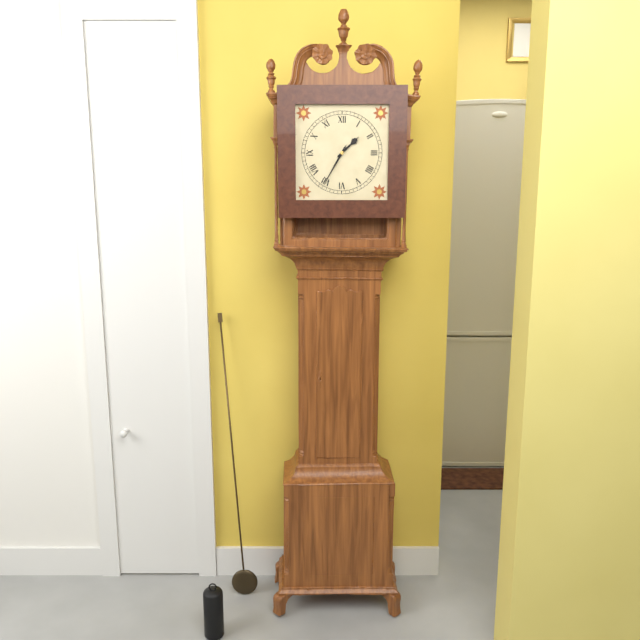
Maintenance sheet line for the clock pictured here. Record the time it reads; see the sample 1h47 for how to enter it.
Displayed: 1h35
